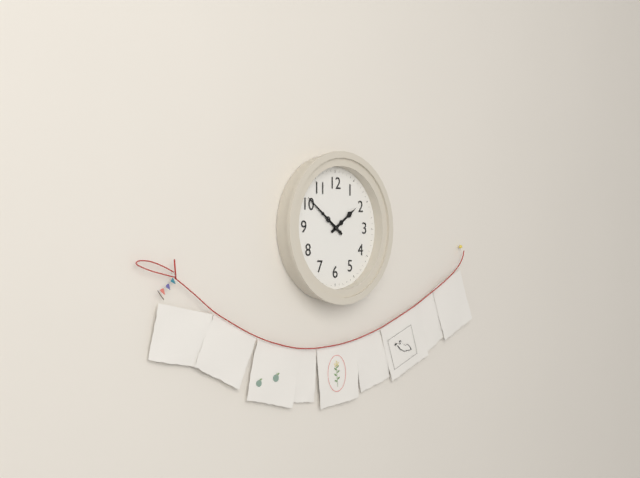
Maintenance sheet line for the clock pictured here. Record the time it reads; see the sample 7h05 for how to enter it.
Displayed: 1h51
